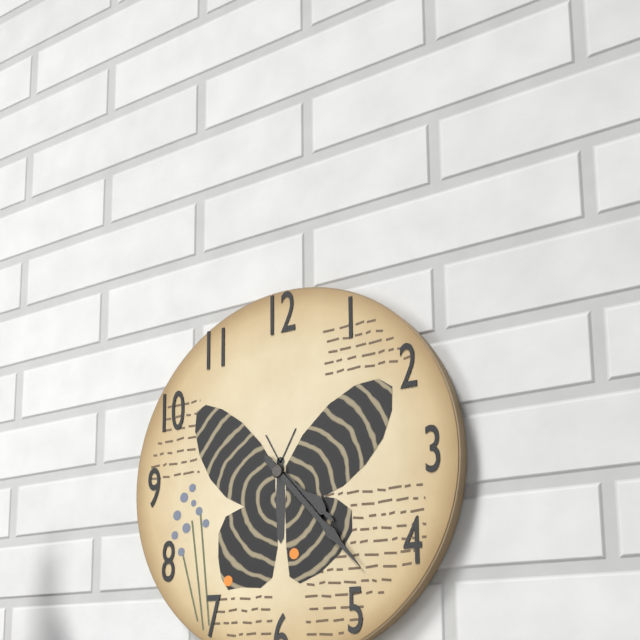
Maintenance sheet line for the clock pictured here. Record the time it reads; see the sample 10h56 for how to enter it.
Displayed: 4h23
